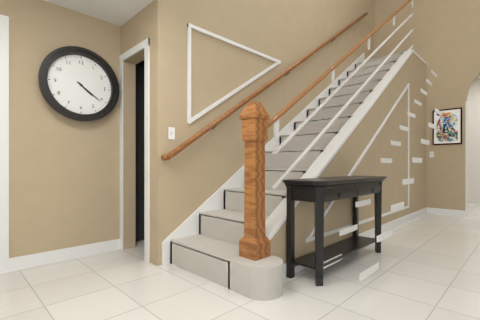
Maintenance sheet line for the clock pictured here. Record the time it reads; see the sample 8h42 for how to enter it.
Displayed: 4h21
